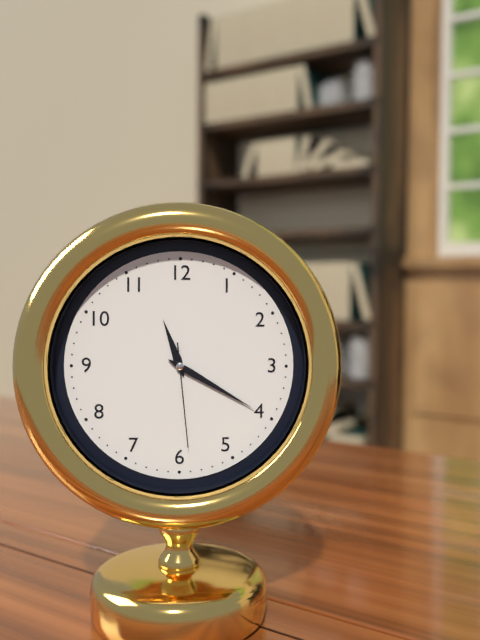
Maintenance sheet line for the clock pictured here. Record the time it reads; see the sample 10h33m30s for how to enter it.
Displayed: 11h20m29s
